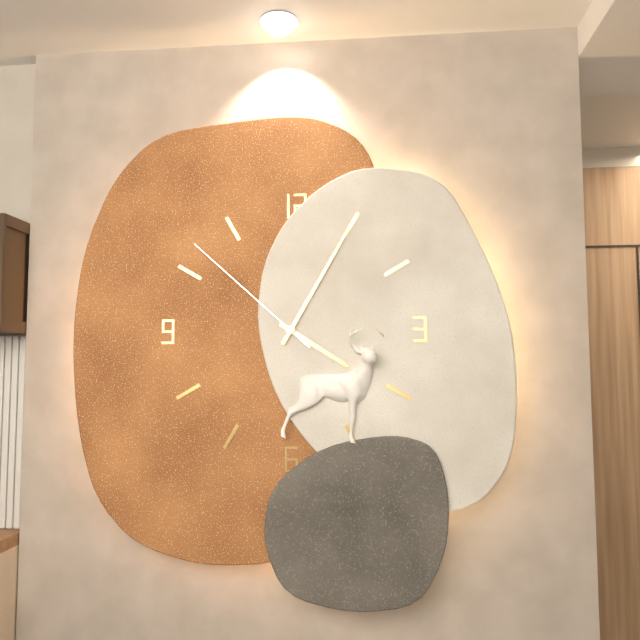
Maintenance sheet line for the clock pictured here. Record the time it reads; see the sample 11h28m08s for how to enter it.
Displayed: 4h05m52s
